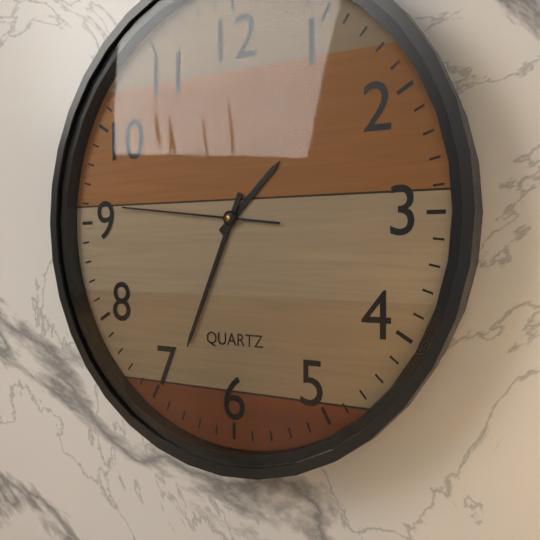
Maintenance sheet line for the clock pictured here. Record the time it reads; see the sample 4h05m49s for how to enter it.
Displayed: 1h34m46s
